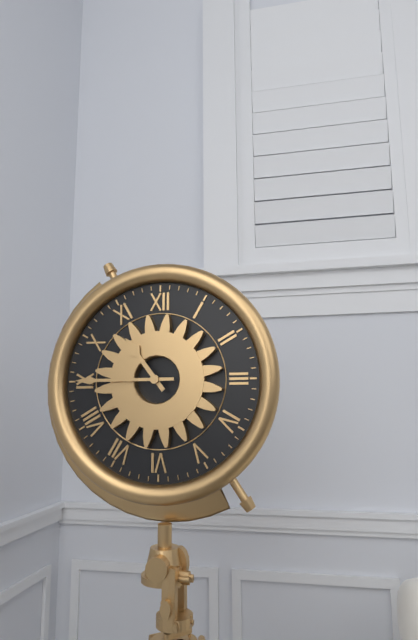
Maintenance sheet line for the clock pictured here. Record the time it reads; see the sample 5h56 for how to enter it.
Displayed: 10h45
